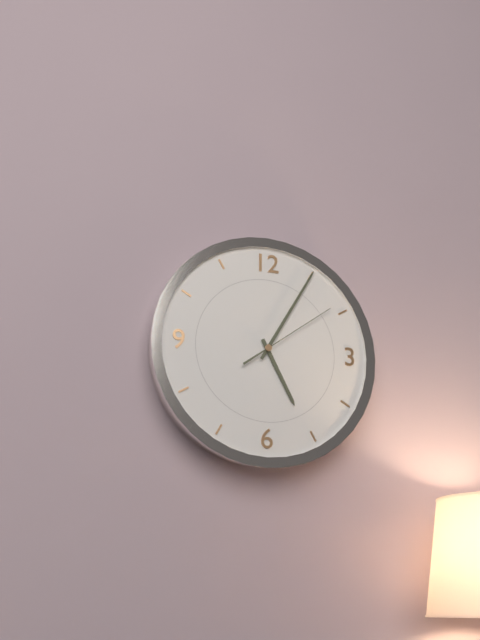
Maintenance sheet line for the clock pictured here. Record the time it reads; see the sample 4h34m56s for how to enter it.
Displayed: 5h05m09s
